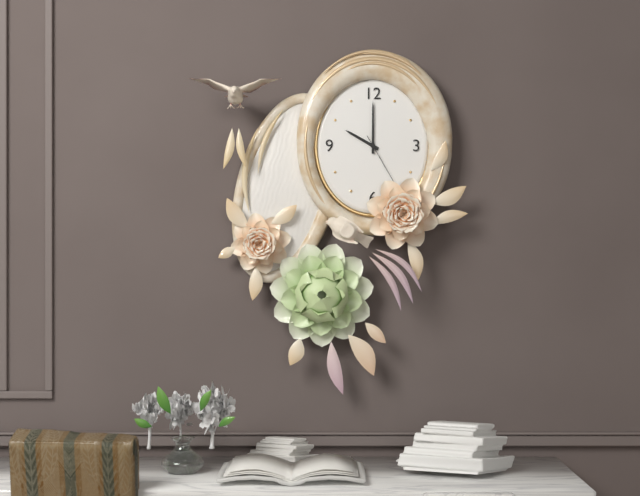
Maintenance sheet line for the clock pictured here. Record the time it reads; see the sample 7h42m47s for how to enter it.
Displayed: 10h00m25s
